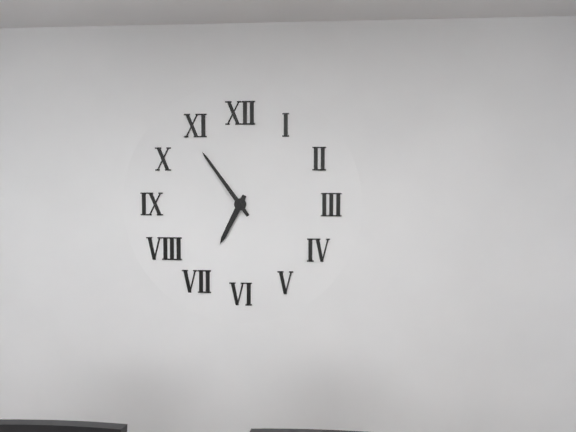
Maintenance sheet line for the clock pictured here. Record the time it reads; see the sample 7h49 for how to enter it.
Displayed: 6h54
